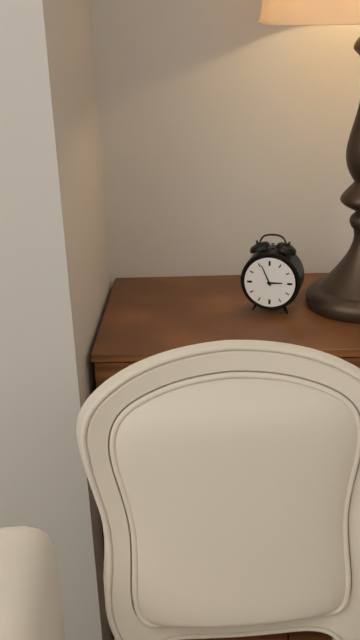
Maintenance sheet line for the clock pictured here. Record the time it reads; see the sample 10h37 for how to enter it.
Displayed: 2h56
